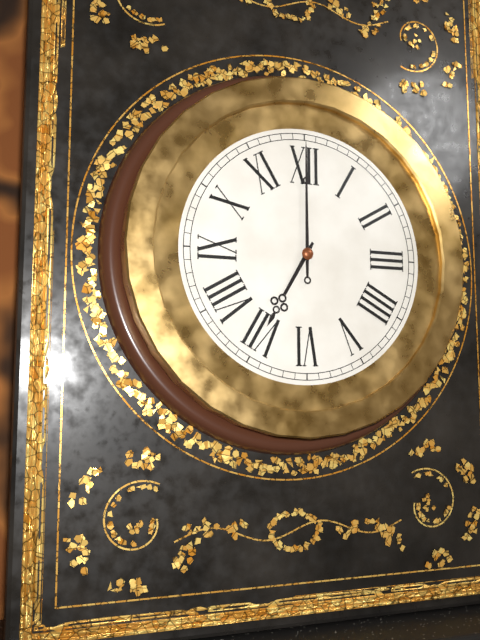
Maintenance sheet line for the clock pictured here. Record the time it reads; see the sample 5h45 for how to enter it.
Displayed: 7h00
